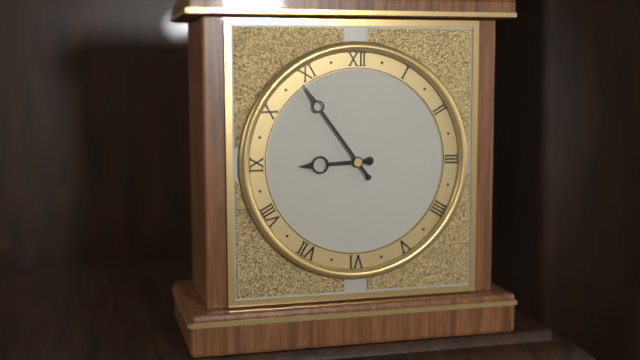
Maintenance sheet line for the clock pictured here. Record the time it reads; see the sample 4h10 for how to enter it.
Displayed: 8h54
